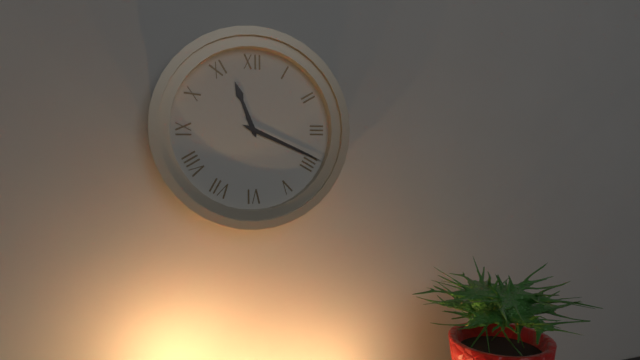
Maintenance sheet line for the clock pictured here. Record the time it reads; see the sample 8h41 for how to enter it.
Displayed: 11h19
